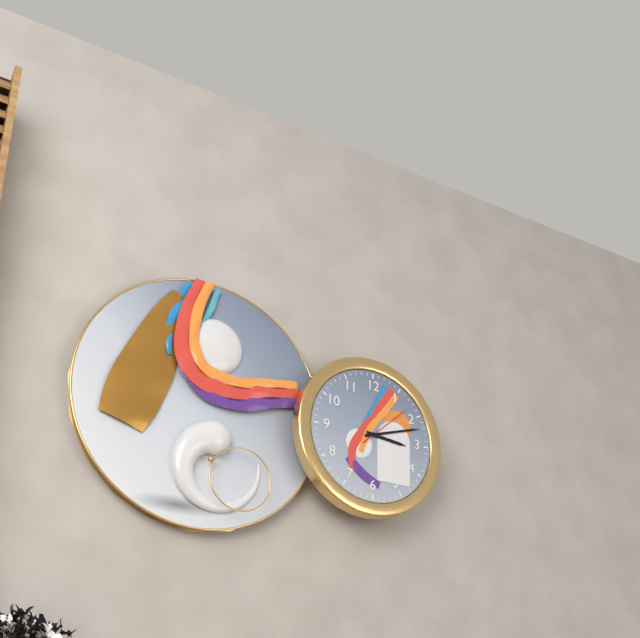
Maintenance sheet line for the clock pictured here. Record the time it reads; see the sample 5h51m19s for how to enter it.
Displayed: 3h12m08s
